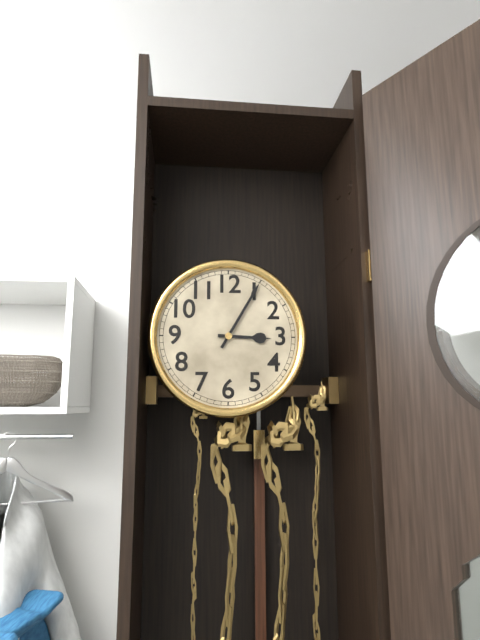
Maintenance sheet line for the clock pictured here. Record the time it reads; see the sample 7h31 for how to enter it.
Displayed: 3h05
